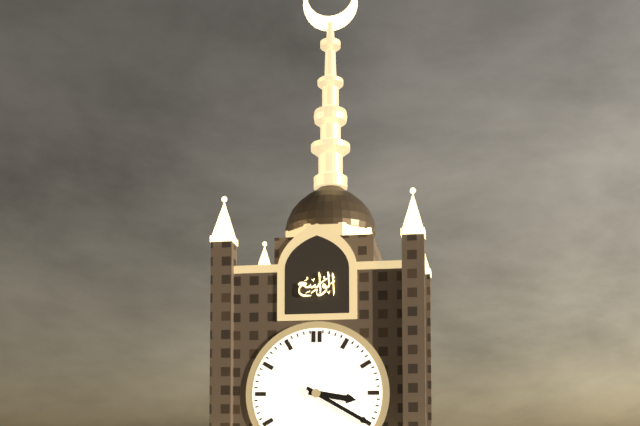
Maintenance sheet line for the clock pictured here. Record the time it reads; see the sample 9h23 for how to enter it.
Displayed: 3h20
